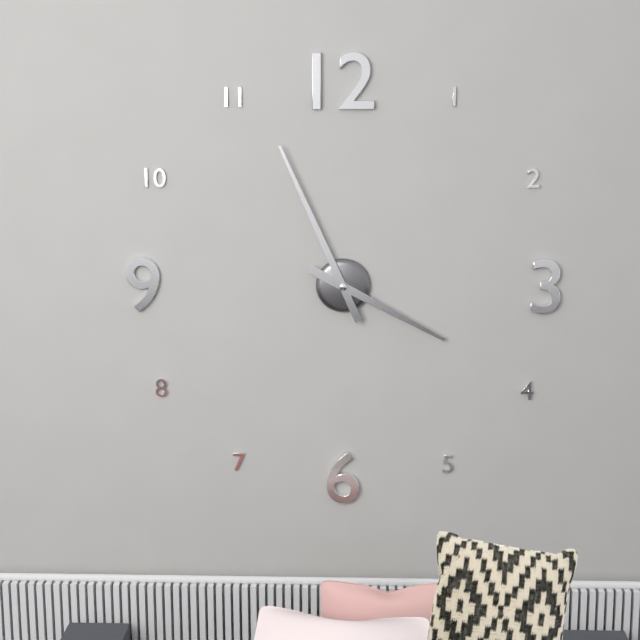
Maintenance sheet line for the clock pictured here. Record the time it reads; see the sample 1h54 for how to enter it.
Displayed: 3h56
